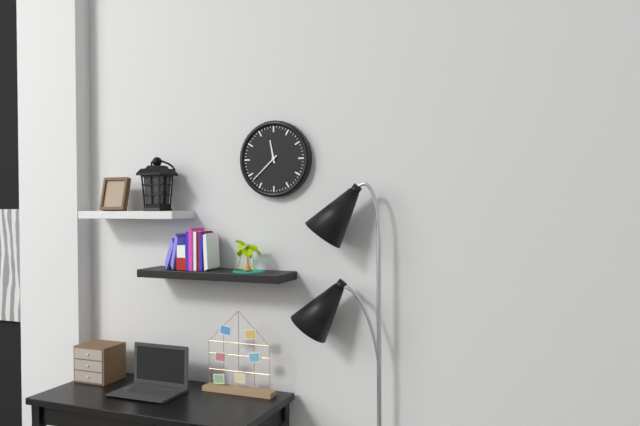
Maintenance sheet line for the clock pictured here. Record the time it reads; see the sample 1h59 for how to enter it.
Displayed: 11h38
